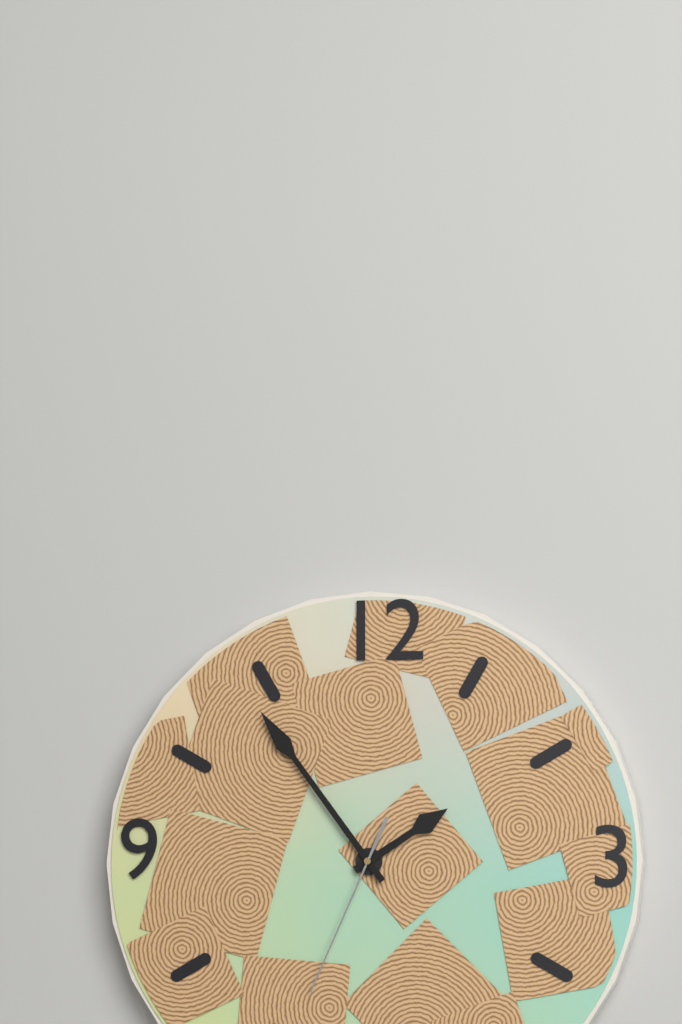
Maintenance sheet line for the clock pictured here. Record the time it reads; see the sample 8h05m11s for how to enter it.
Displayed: 1h54m34s
